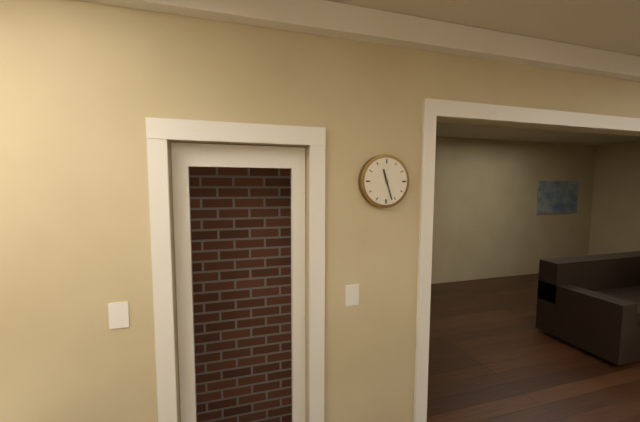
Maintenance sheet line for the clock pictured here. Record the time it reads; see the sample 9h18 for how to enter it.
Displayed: 11h27
